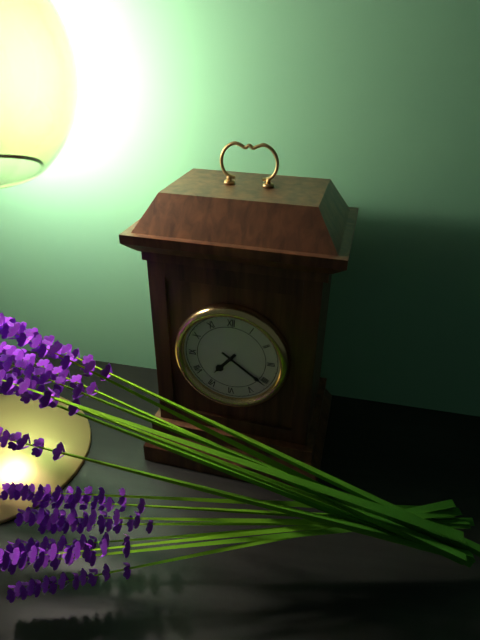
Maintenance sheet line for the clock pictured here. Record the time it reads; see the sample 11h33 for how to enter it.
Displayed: 7h21
